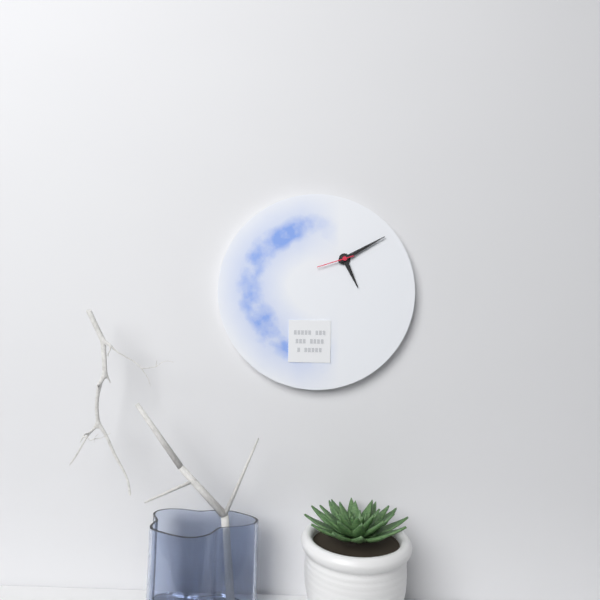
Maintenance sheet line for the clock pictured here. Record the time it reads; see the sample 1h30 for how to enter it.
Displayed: 5h10
